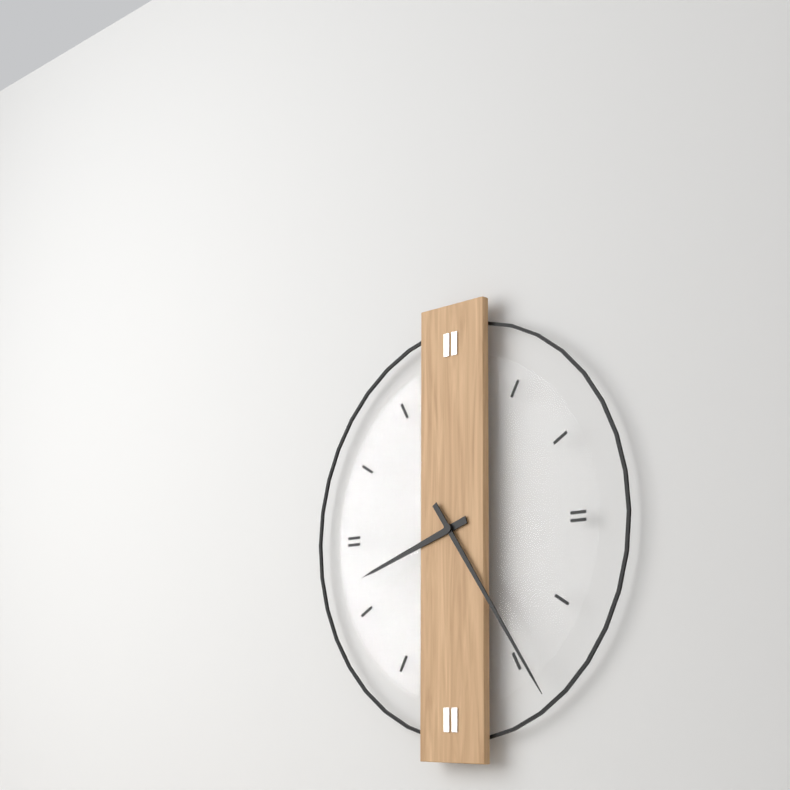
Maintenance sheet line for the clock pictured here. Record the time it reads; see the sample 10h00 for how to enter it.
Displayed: 8h24
